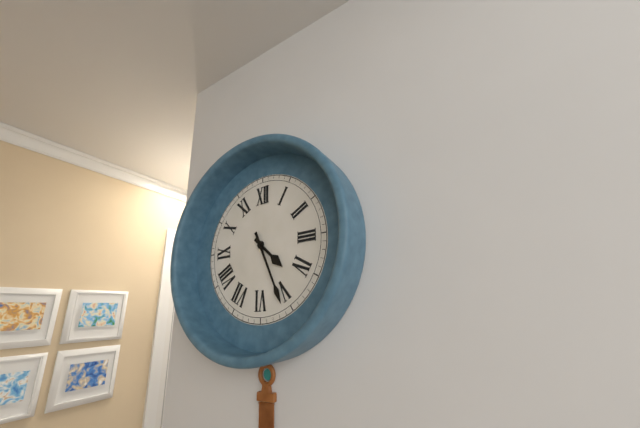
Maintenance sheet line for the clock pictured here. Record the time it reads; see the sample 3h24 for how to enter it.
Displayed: 4h26
